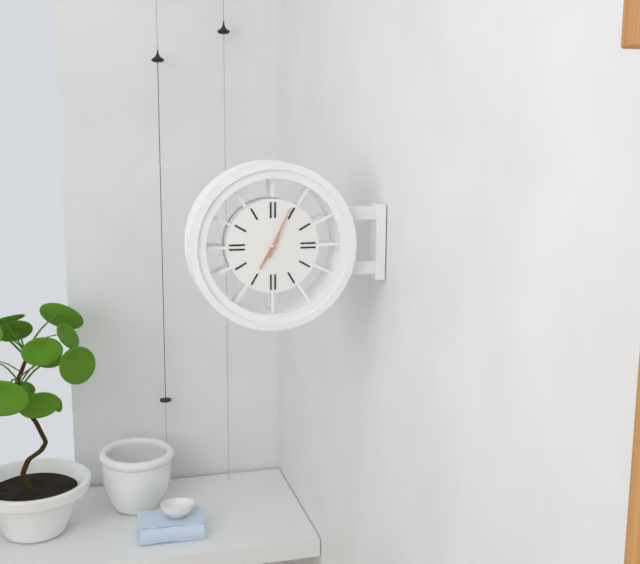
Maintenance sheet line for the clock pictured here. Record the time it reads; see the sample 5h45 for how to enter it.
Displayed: 7h04
